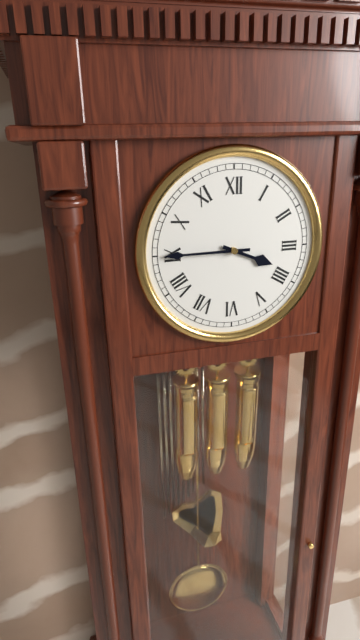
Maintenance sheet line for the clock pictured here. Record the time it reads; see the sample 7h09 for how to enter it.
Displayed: 3h45
